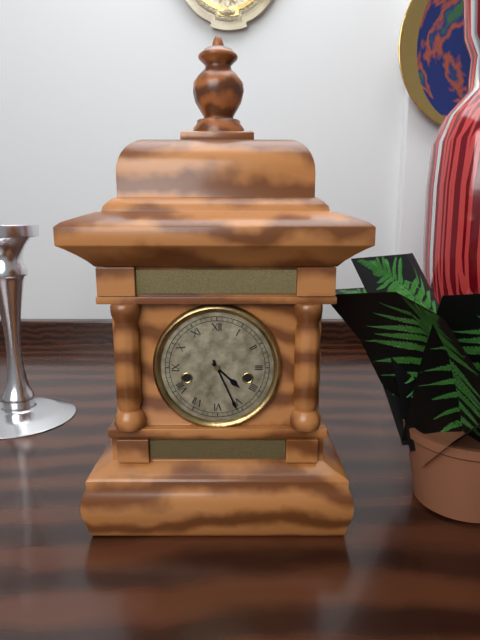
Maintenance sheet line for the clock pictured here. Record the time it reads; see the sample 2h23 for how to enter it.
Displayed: 4h26
